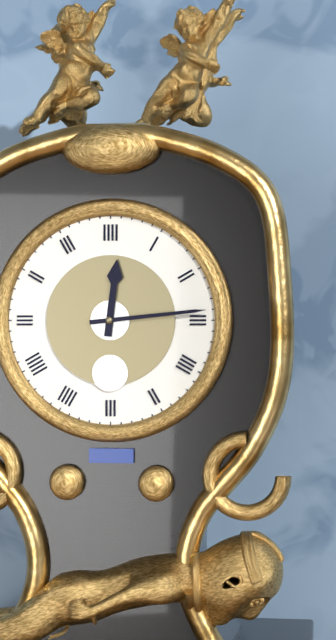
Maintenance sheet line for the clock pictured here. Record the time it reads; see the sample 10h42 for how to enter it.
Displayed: 12h14
